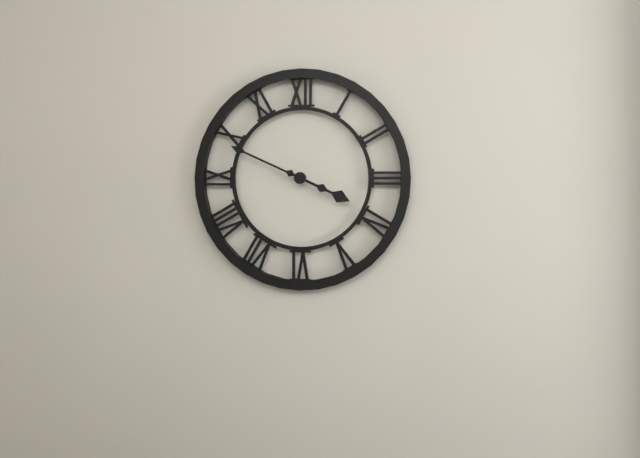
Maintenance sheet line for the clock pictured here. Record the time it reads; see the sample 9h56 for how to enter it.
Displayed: 3h49
